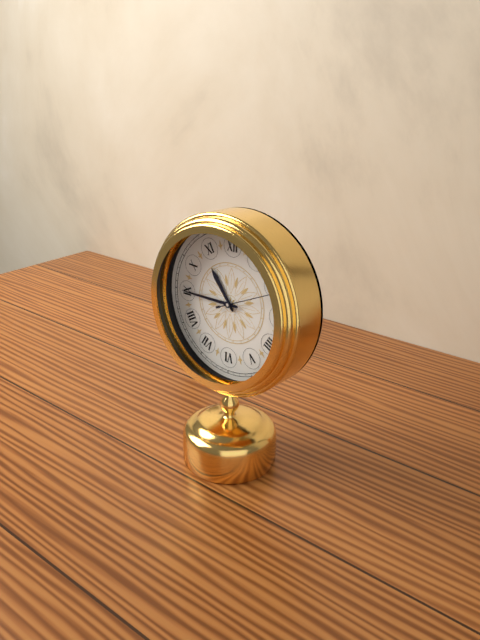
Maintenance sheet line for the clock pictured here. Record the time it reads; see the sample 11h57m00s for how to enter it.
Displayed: 10h45m11s
